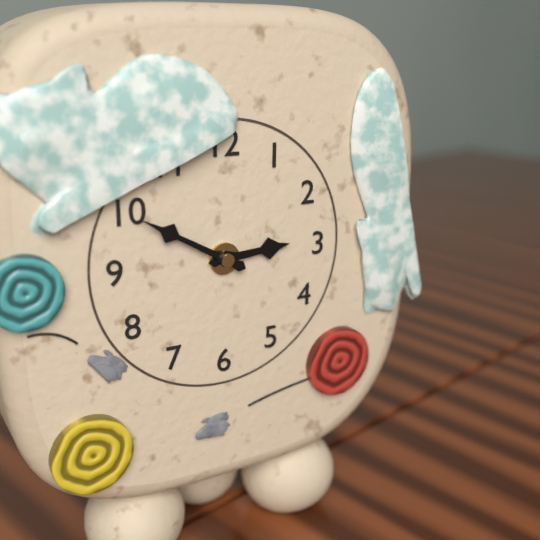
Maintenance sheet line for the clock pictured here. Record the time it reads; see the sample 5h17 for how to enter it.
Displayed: 2h50
